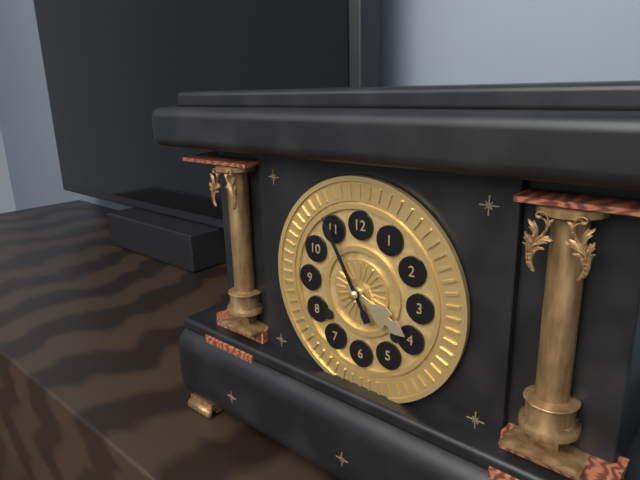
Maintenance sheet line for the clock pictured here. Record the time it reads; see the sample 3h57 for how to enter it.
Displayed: 3h55
